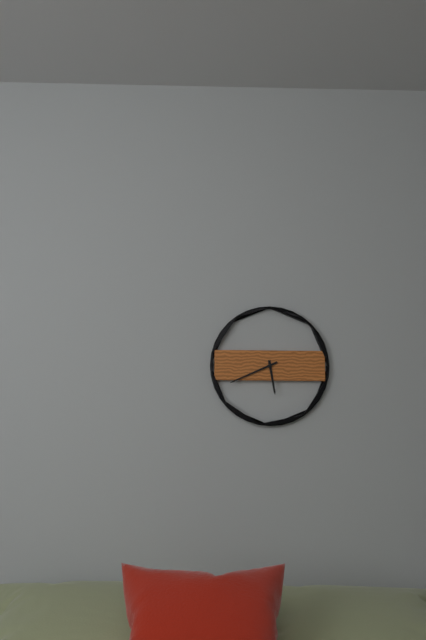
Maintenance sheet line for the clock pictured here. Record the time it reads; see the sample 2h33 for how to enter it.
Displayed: 5h41
